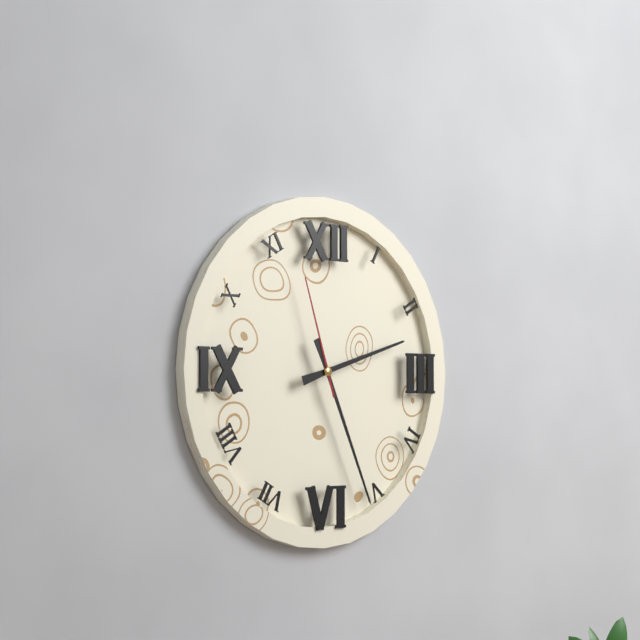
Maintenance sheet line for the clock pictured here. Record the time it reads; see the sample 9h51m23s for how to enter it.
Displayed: 2h26m57s
